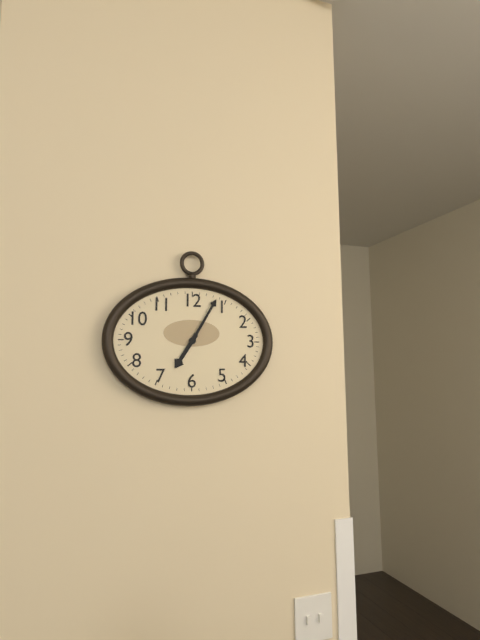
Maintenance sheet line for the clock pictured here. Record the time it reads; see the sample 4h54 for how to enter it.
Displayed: 7h05
